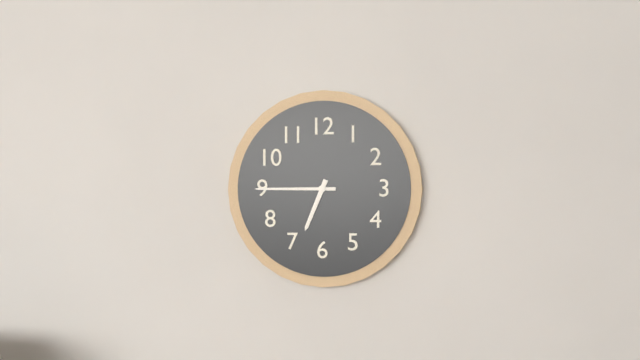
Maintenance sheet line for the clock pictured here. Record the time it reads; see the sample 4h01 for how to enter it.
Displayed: 6h45
